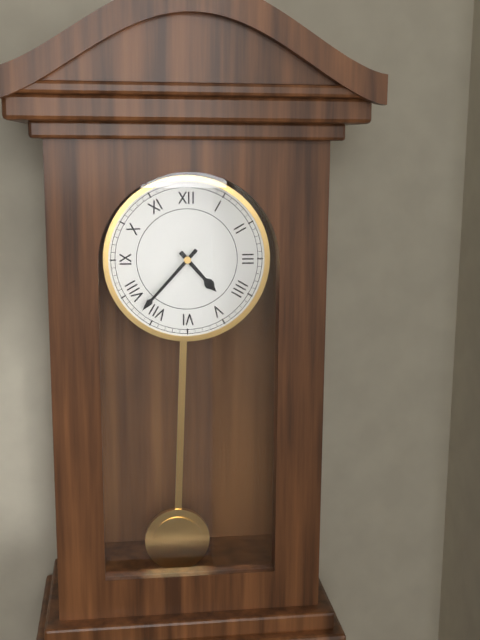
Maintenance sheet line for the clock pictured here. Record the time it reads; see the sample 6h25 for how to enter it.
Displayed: 4h37
